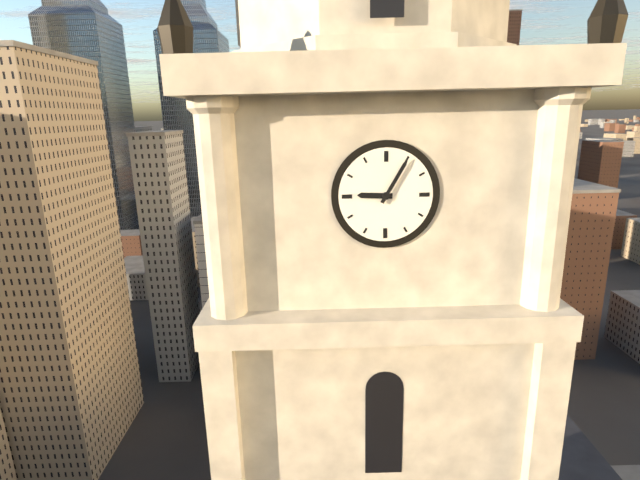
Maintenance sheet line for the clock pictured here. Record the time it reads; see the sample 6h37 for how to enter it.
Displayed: 9h05
